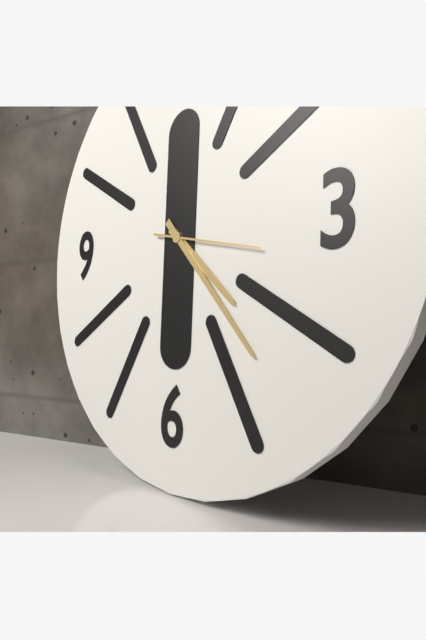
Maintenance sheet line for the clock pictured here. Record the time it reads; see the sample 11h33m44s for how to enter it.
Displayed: 4h23m17s
